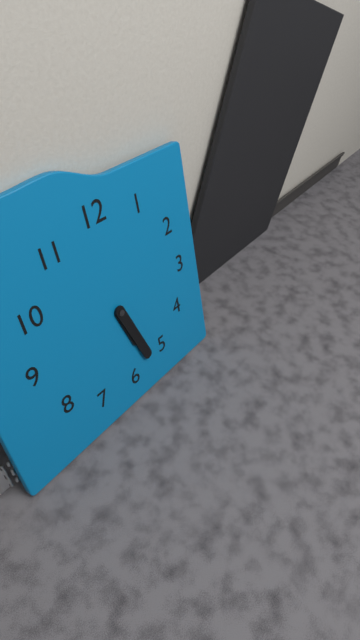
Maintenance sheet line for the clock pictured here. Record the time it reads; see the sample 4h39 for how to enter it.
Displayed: 5h27
